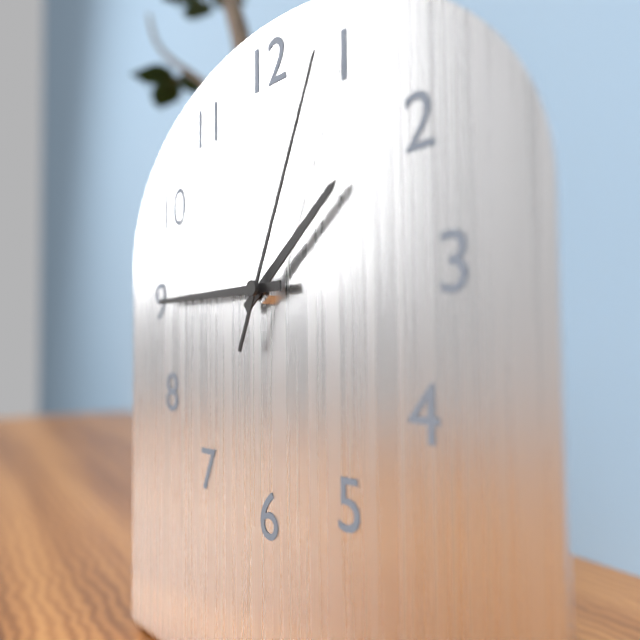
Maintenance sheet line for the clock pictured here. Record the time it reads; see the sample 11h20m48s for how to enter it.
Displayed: 1h45m04s
